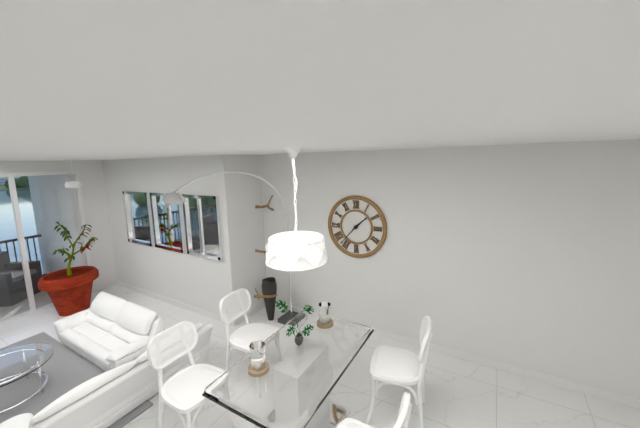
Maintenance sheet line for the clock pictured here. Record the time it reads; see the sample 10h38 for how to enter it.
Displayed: 1h37
